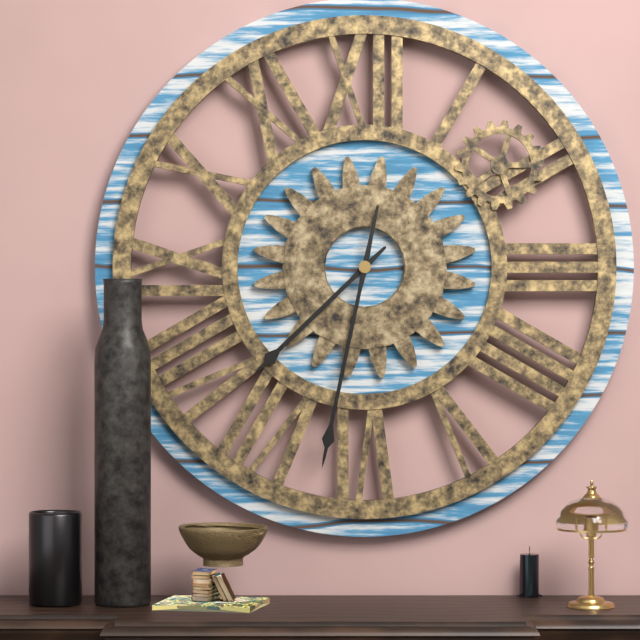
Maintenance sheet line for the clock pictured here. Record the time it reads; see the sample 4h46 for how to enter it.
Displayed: 7h32
